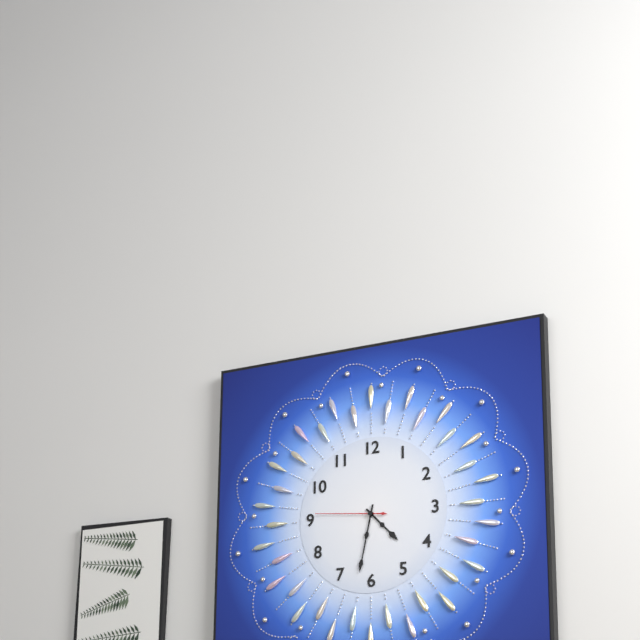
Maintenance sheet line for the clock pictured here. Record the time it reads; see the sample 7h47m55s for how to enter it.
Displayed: 4h32m46s
